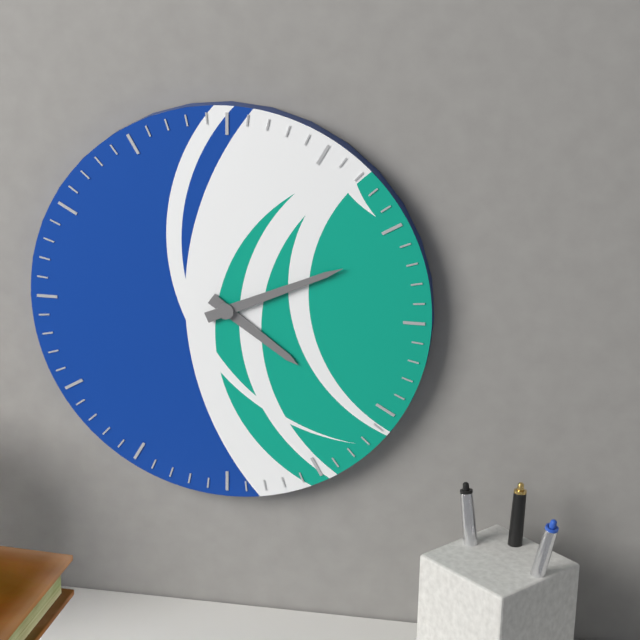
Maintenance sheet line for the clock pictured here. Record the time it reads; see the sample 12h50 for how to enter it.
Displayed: 4h11
